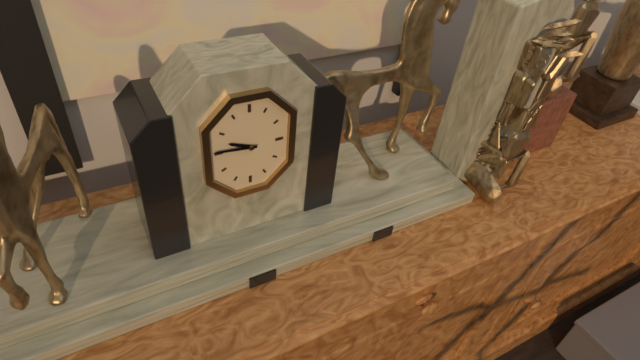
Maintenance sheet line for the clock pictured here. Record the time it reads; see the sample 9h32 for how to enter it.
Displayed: 9h46
